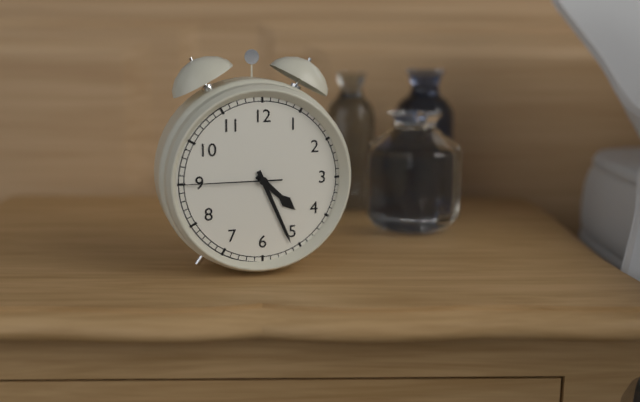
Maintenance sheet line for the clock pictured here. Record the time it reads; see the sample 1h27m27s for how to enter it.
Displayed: 4h26m45s
